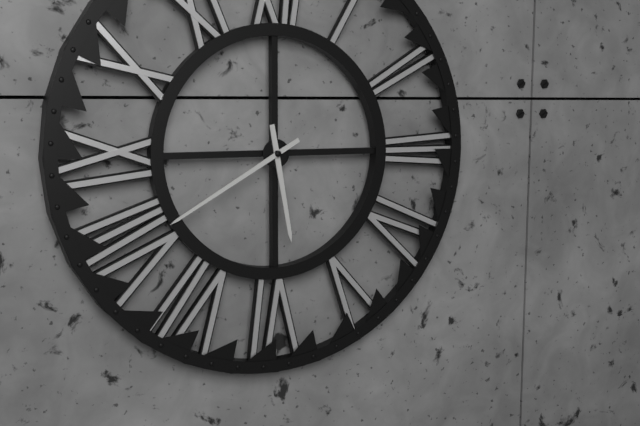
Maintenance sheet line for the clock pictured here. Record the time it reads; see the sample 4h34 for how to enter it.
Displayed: 5h40
